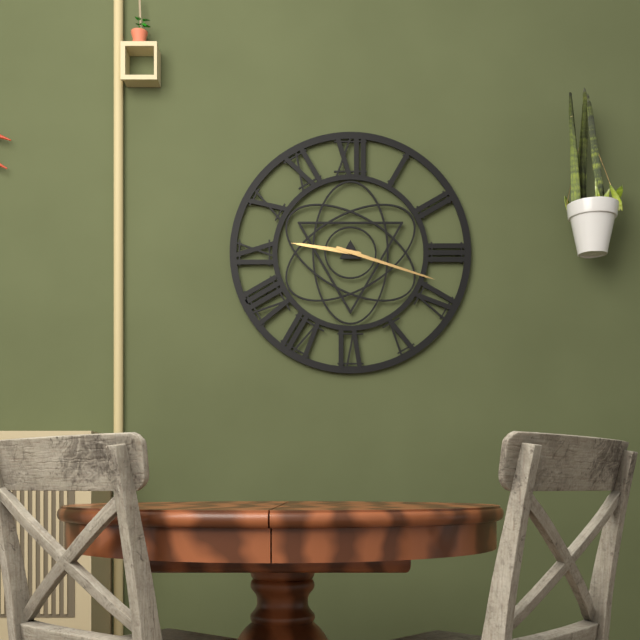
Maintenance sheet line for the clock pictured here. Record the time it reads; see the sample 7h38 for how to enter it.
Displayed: 9h18
